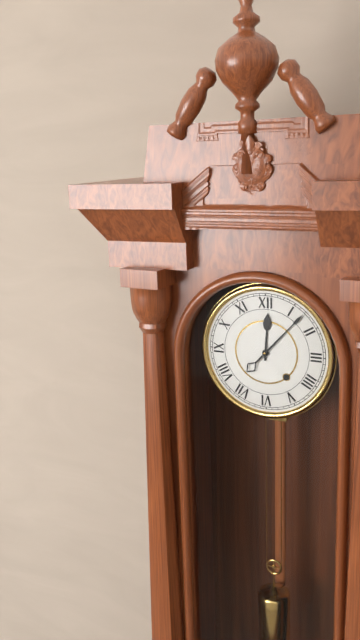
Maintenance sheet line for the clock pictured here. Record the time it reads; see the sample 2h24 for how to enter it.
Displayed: 12h07
